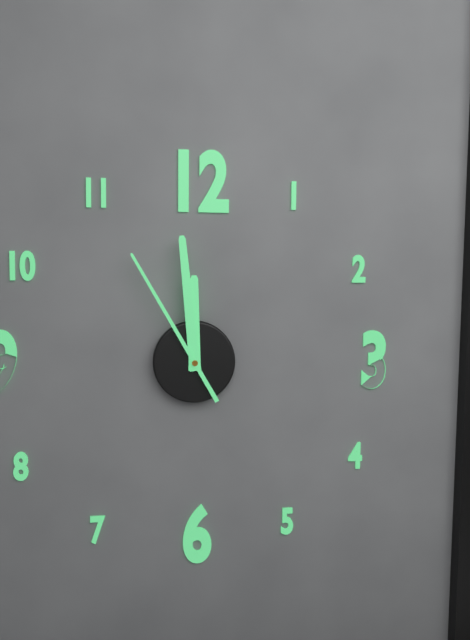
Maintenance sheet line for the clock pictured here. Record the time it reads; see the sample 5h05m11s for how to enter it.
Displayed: 11h59m55s
